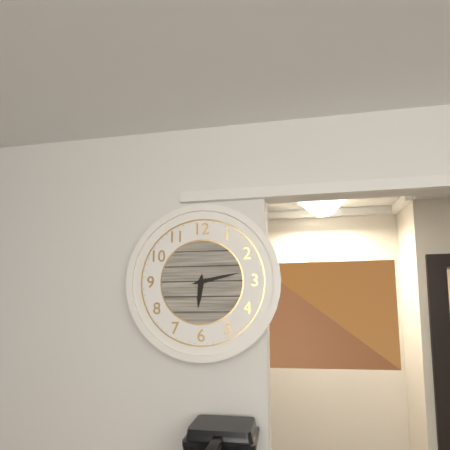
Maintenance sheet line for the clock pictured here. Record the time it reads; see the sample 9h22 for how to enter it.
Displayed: 6h13
